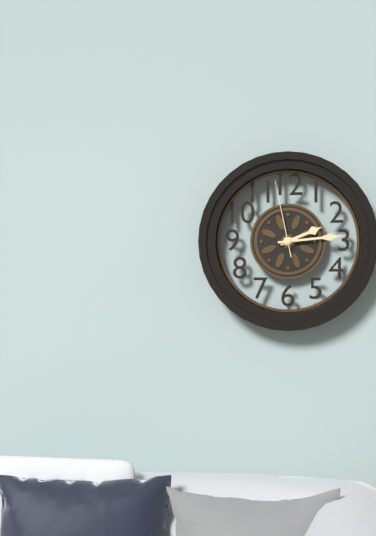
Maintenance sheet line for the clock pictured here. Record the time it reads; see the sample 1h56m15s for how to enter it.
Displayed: 2h14m58s
